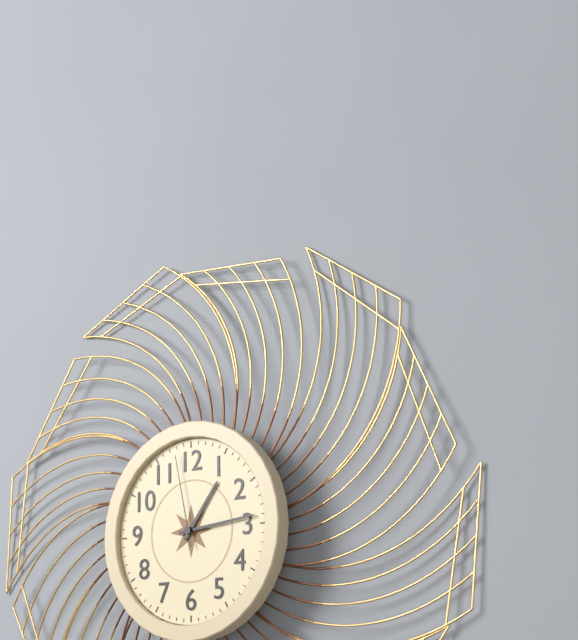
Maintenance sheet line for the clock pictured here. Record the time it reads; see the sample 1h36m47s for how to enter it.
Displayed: 1h14m58s
